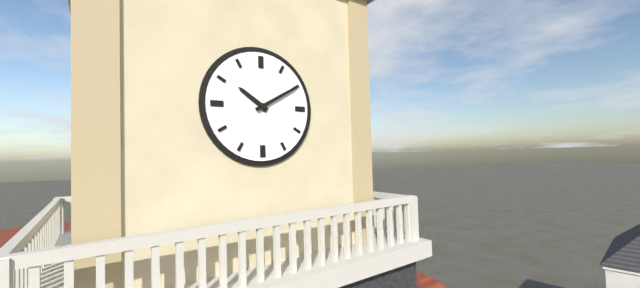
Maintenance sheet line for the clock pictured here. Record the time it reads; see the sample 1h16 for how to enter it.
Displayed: 10h10
